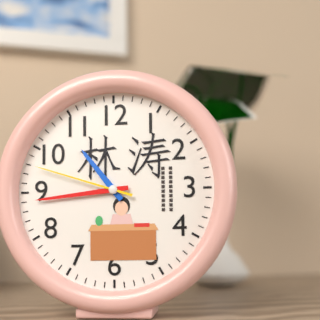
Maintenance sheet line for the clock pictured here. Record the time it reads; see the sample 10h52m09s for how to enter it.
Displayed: 10h44m48s
